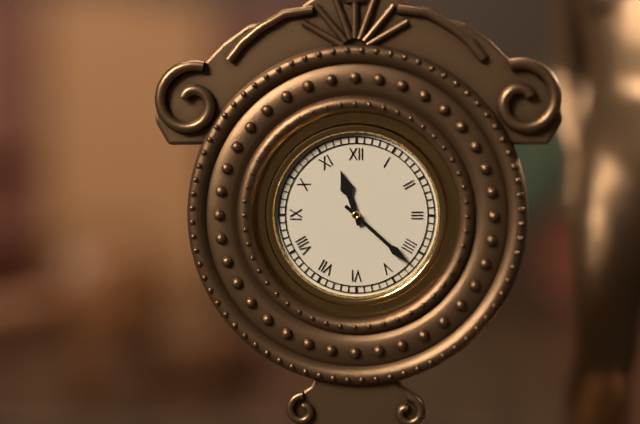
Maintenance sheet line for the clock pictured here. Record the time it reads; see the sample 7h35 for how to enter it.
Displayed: 11h22
